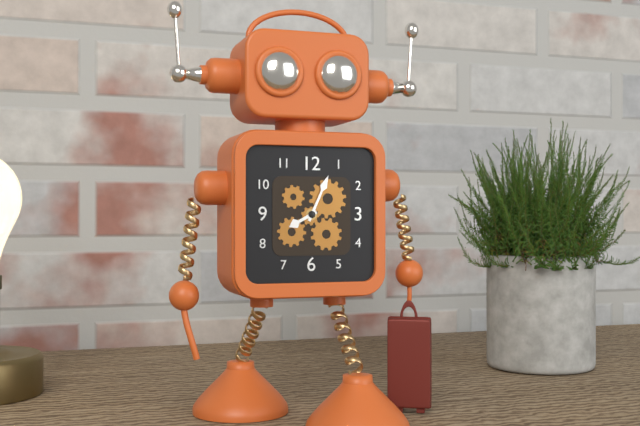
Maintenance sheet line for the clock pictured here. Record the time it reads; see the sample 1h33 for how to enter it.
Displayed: 8h04
